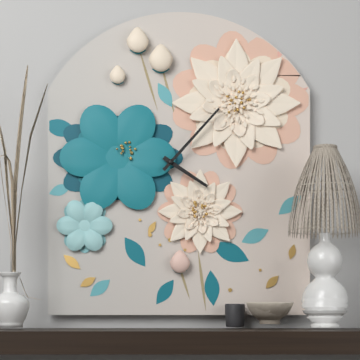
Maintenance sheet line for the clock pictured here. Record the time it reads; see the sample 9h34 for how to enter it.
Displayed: 4h07
